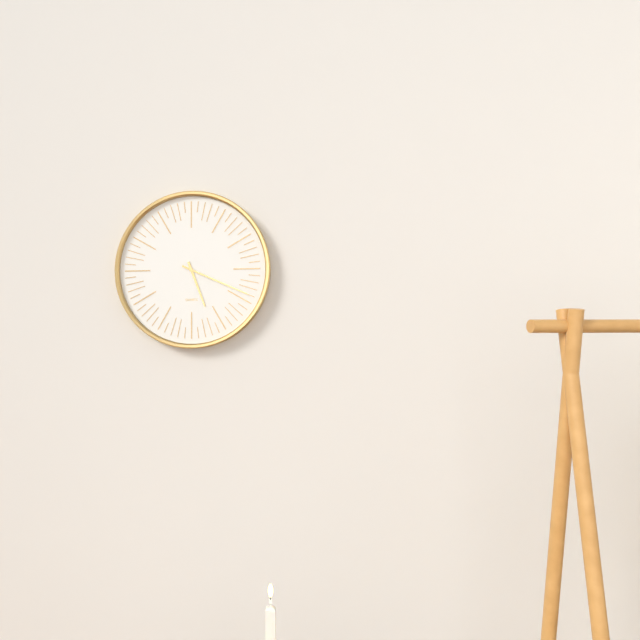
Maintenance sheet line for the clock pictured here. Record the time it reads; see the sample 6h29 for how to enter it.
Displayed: 5h19
